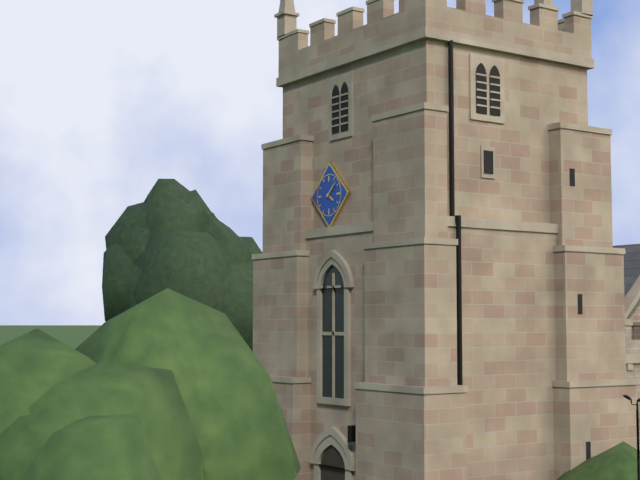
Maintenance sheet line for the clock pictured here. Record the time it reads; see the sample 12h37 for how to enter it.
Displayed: 4h08
